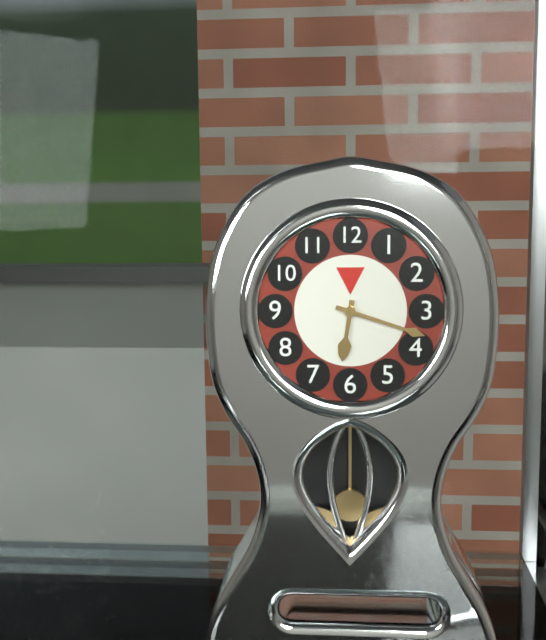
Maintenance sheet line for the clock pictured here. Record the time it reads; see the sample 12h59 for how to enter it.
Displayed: 6h18
